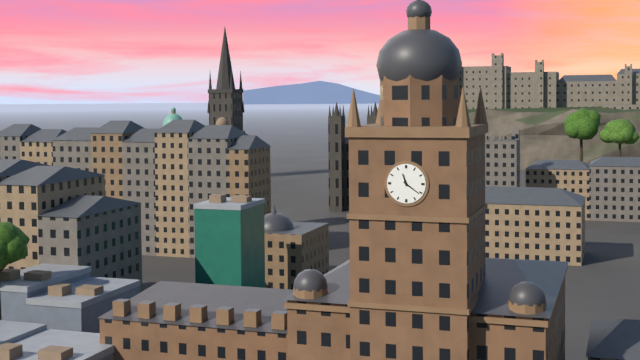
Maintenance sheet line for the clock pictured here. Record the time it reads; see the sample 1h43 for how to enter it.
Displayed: 11h21
